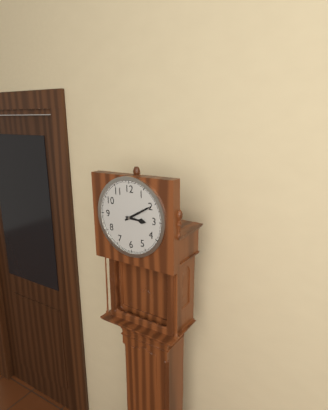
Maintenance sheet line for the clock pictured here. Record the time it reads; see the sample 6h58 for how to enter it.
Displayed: 3h10
